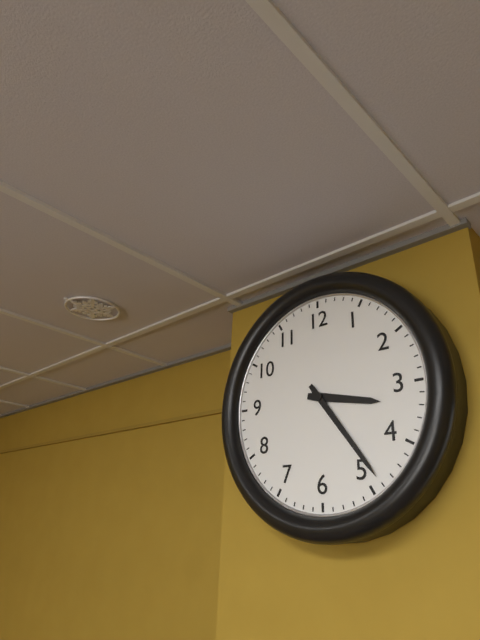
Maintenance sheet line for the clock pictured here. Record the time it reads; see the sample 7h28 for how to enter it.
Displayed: 3h24
